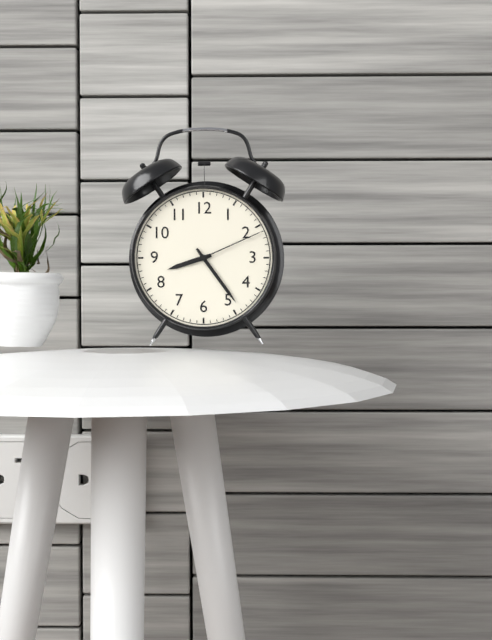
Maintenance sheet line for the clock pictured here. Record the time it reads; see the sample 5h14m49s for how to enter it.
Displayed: 8h24m11s
